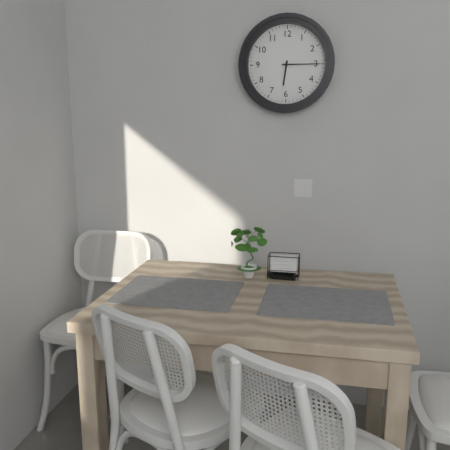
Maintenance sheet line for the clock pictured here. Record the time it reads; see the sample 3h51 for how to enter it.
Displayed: 6h15
